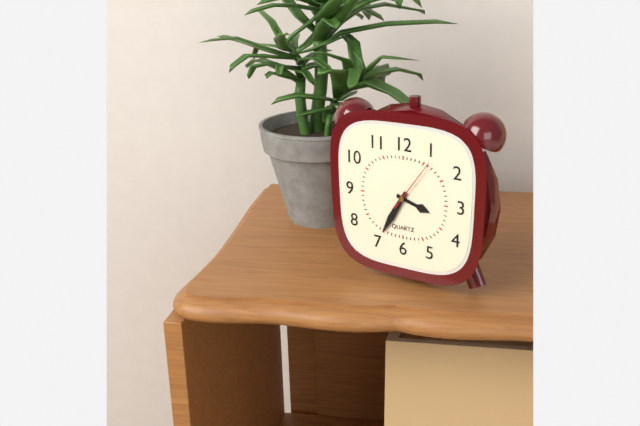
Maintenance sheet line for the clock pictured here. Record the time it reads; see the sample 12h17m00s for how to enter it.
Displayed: 3h35m06s
